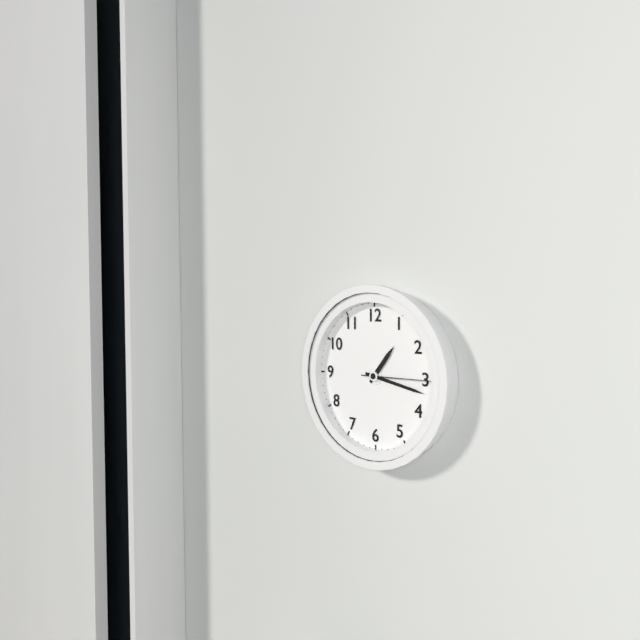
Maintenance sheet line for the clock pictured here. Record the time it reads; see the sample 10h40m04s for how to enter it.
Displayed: 1h17m15s
